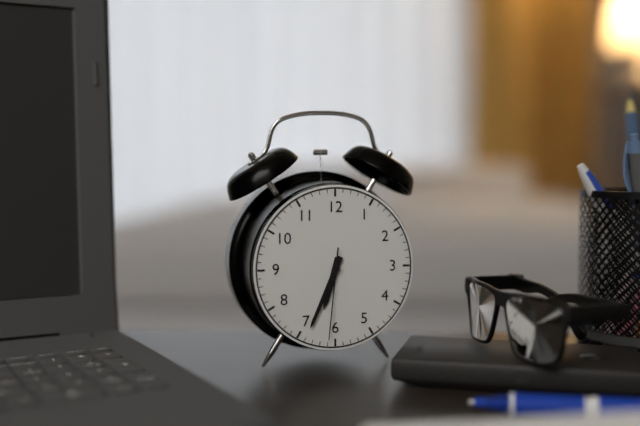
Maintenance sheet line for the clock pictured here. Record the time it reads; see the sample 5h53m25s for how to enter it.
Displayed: 6h34m31s
